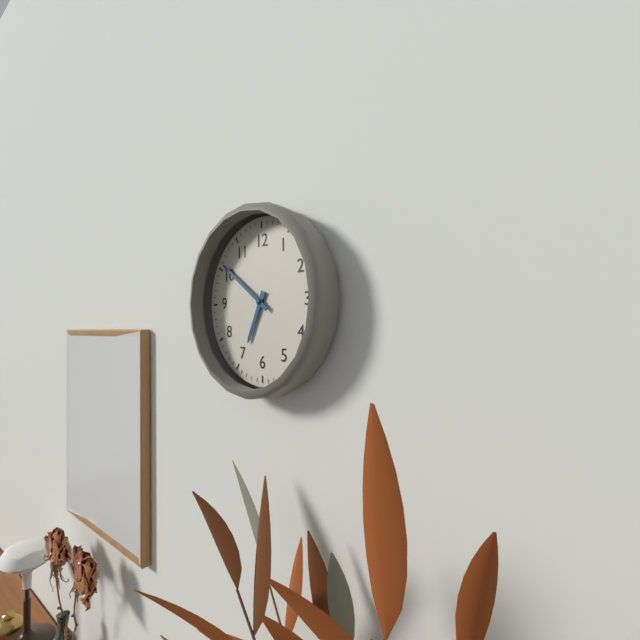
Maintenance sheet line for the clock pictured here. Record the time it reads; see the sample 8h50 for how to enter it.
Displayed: 6h51
